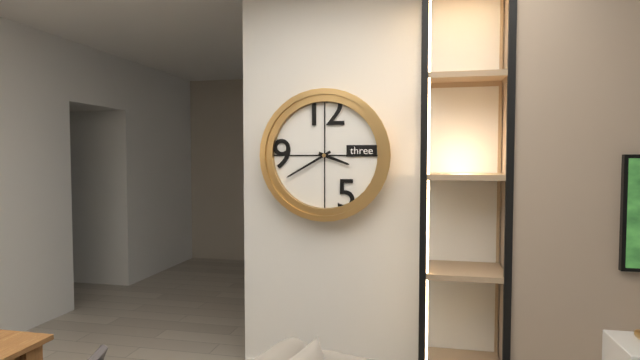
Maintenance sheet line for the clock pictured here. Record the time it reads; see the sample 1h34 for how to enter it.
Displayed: 3h40
